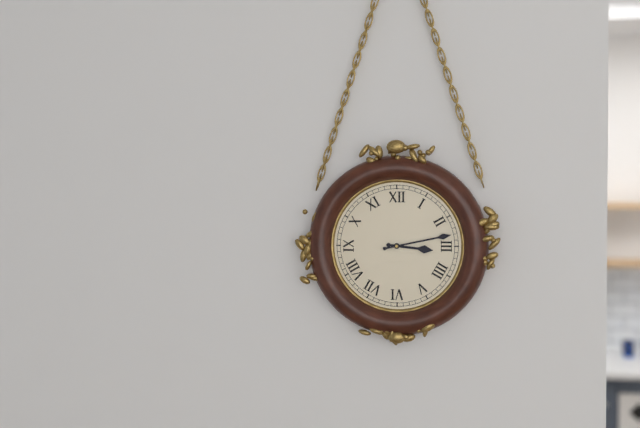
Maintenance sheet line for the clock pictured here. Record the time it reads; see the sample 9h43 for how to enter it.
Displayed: 3h13
